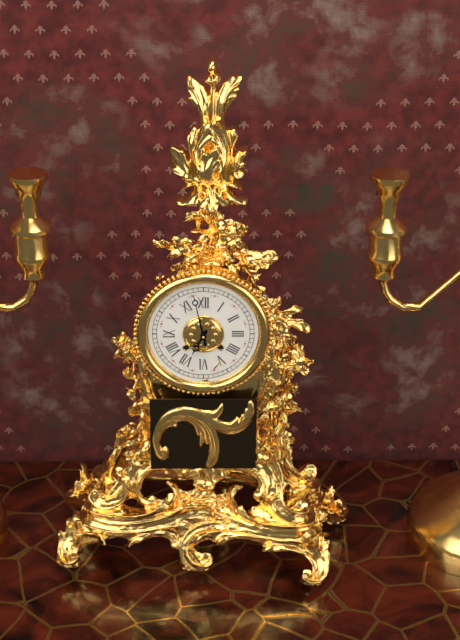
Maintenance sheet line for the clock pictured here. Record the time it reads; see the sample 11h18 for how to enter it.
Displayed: 6h58
